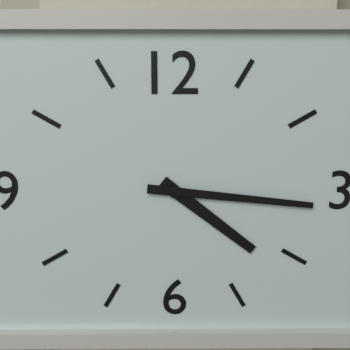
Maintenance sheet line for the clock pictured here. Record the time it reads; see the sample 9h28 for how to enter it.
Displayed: 4h16
